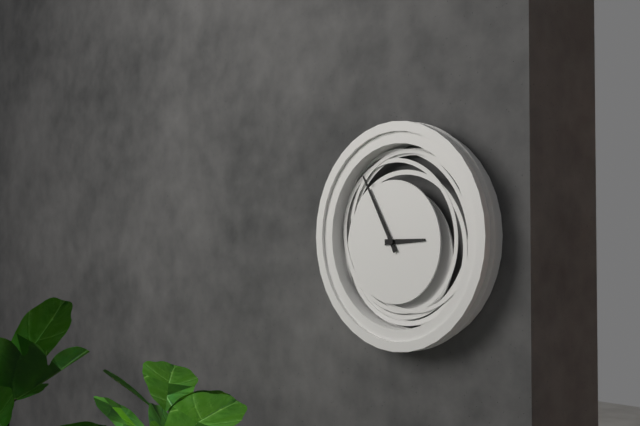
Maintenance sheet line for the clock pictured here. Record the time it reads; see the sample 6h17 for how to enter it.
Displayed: 2h55
